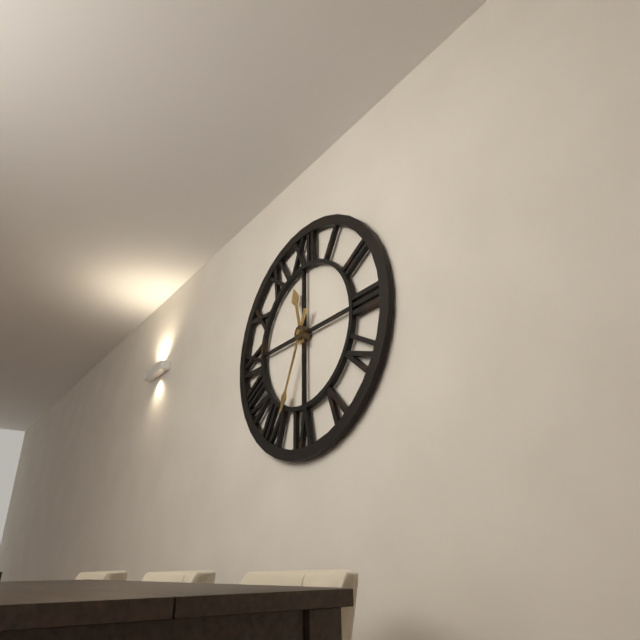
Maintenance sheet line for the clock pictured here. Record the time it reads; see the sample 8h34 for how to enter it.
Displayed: 11h34
